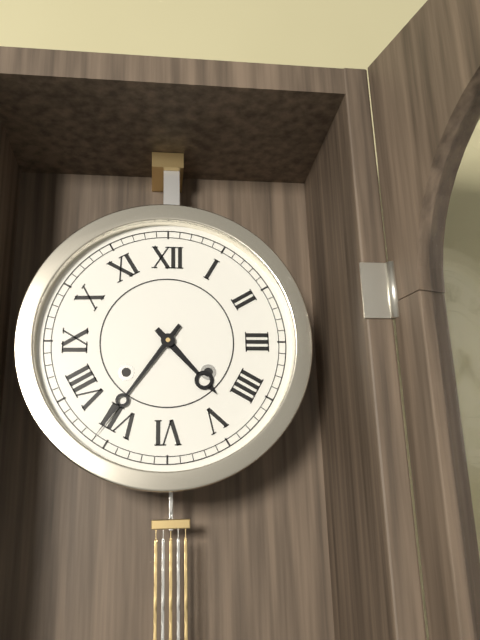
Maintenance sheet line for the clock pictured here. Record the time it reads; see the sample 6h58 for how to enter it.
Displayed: 4h36
